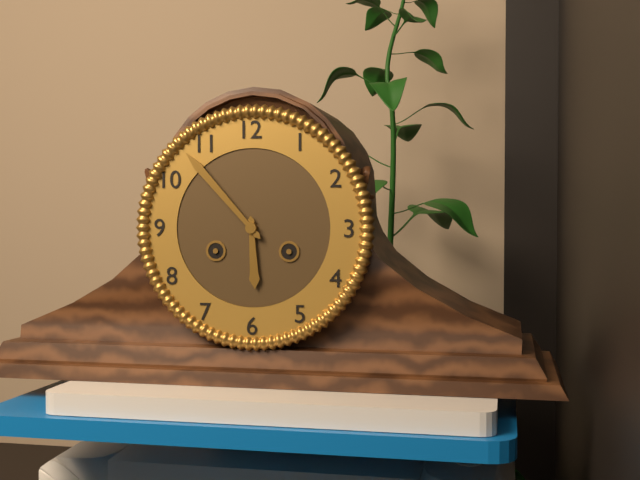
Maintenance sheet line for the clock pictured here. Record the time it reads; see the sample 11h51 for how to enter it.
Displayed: 5h53
